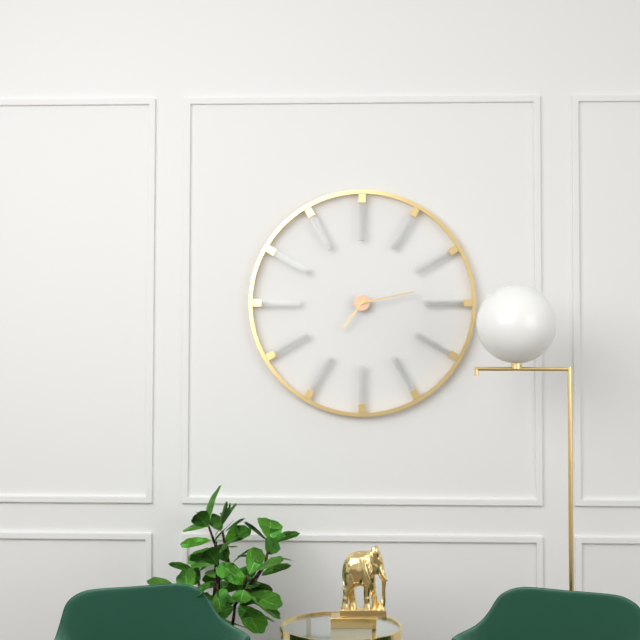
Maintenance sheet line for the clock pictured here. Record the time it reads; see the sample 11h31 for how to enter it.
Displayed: 7h13
